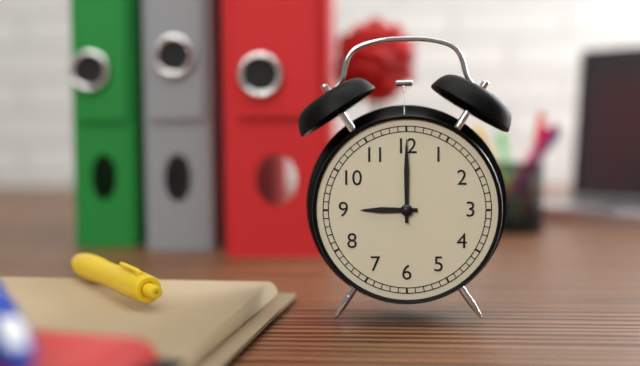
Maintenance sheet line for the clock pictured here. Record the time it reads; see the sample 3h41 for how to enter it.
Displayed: 9h00
